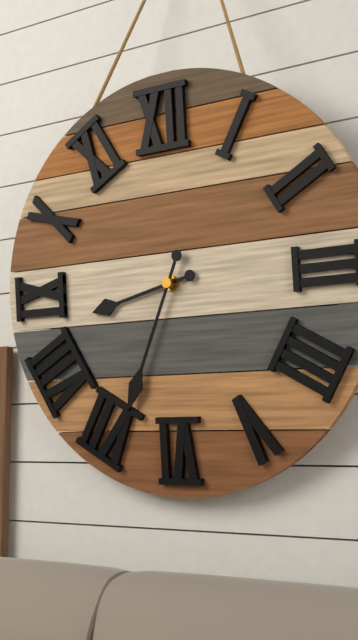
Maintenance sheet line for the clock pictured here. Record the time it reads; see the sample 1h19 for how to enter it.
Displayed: 8h34
